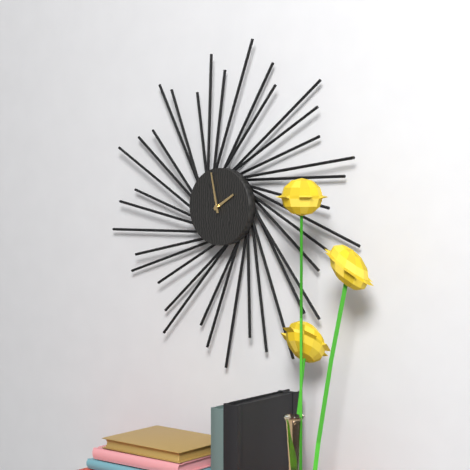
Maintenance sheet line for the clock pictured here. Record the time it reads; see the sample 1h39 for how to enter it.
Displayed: 1h58
